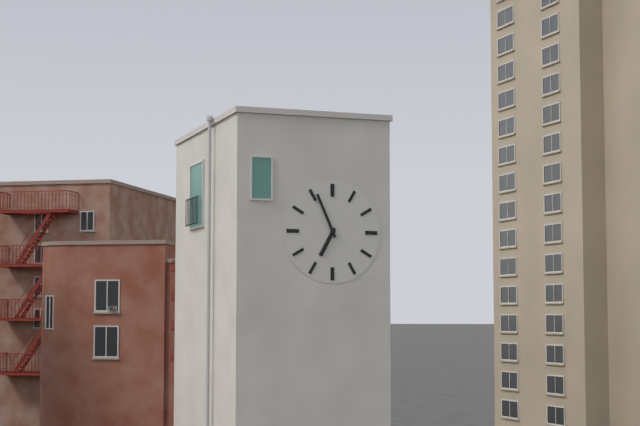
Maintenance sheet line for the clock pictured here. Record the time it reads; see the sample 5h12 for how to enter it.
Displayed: 6h56
